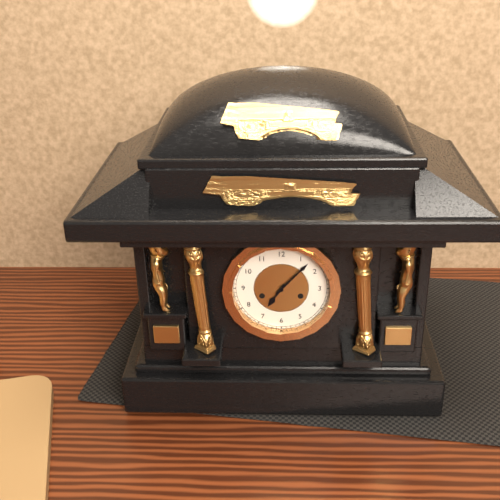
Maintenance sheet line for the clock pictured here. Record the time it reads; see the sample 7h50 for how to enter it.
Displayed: 7h07
